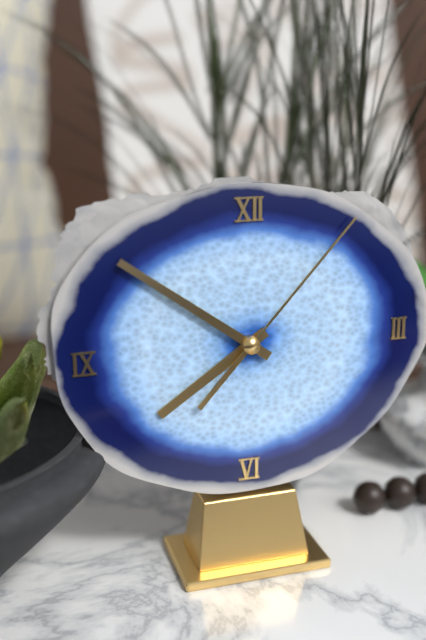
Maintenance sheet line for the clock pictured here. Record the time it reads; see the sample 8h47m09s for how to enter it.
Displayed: 7h51m07s
